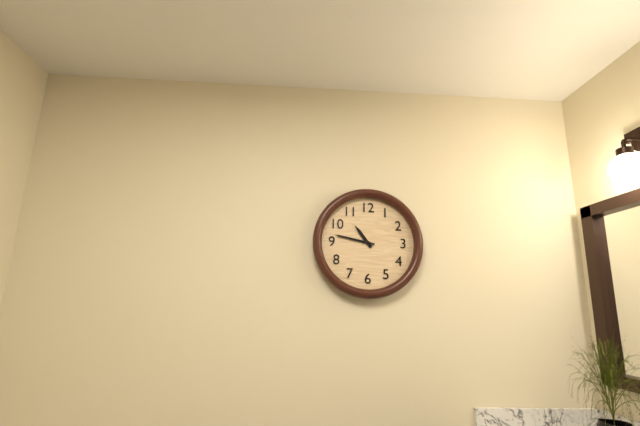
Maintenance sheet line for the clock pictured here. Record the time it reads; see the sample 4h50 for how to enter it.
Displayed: 10h47
